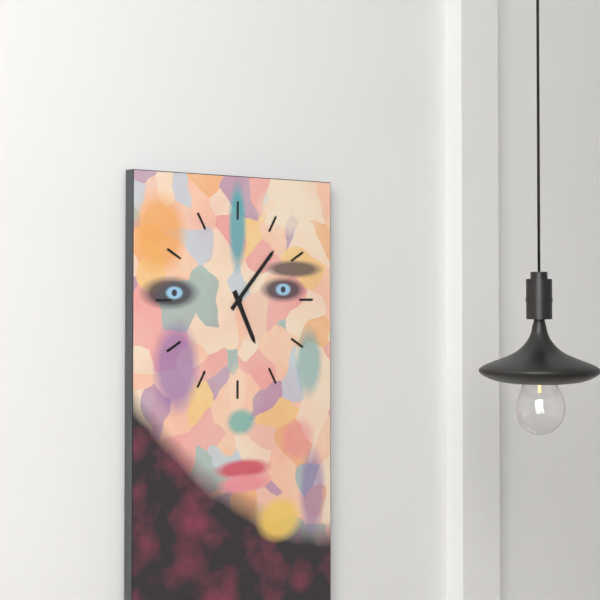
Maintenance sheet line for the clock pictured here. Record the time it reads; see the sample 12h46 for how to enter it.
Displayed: 5h07
